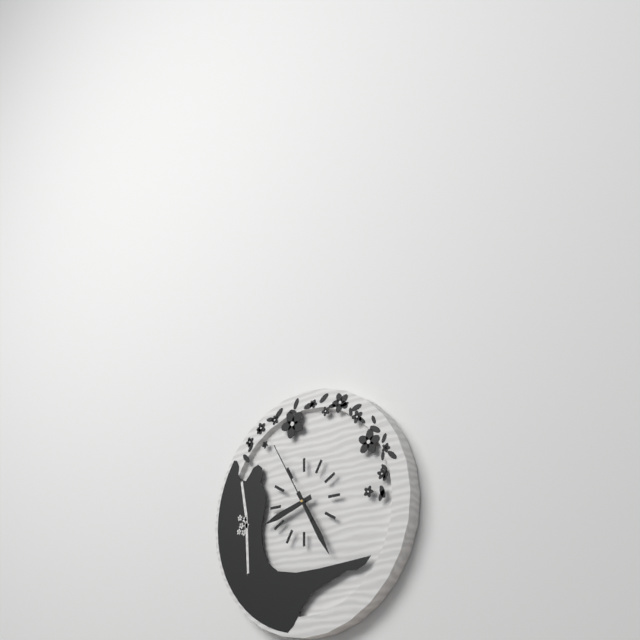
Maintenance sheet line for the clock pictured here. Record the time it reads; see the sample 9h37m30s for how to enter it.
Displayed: 8h25m55s
